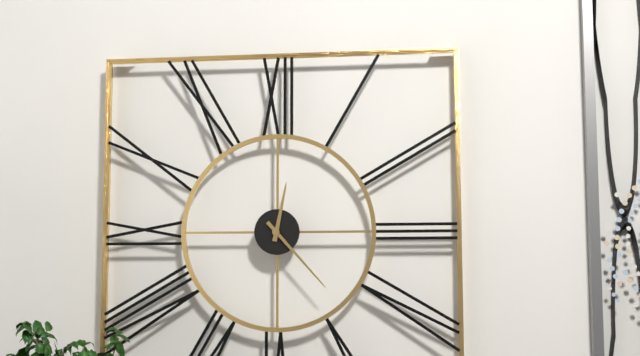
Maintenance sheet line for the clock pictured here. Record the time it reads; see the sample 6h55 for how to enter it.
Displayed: 12h23
